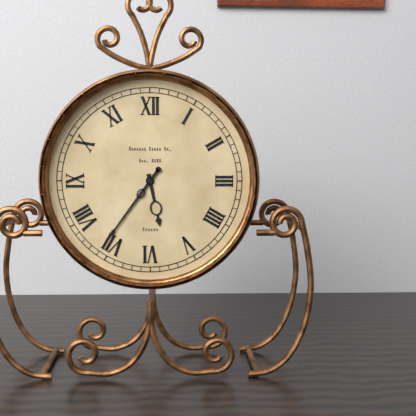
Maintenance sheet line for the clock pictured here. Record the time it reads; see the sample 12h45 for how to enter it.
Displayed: 5h36
